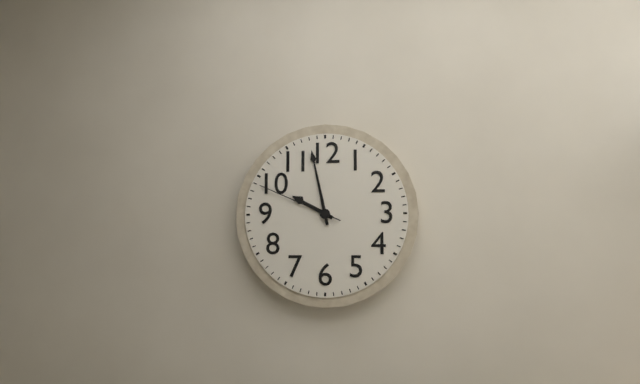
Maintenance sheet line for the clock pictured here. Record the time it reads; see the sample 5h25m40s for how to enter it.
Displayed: 9h58m49s
